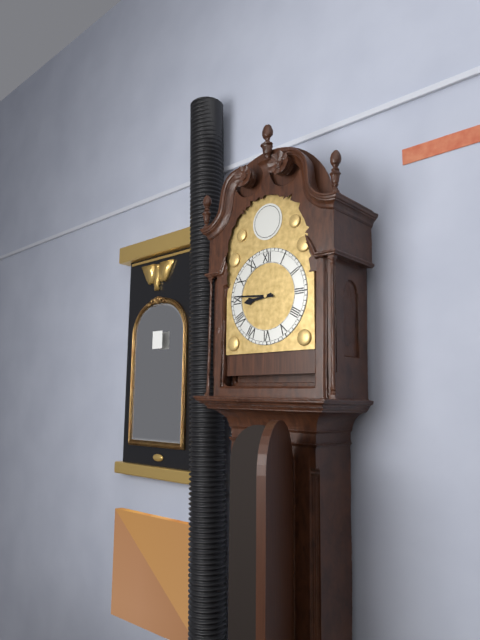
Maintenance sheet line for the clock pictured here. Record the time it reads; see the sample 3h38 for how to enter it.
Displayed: 8h46
